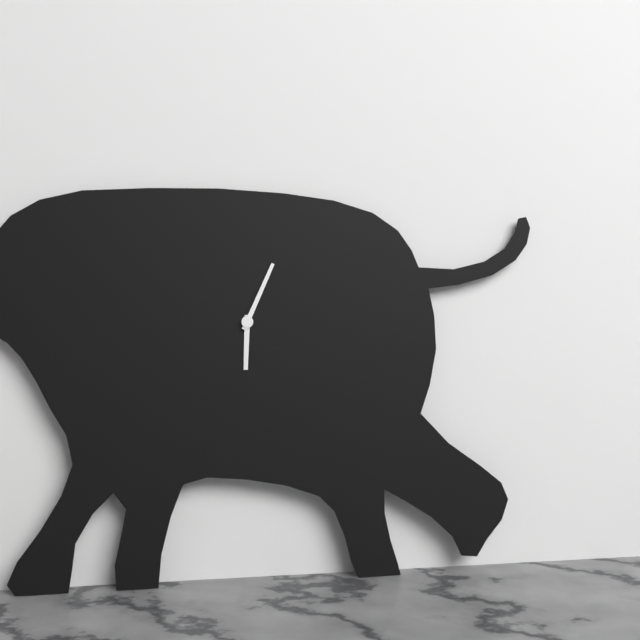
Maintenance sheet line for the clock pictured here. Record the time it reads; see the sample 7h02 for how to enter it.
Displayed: 6h04
